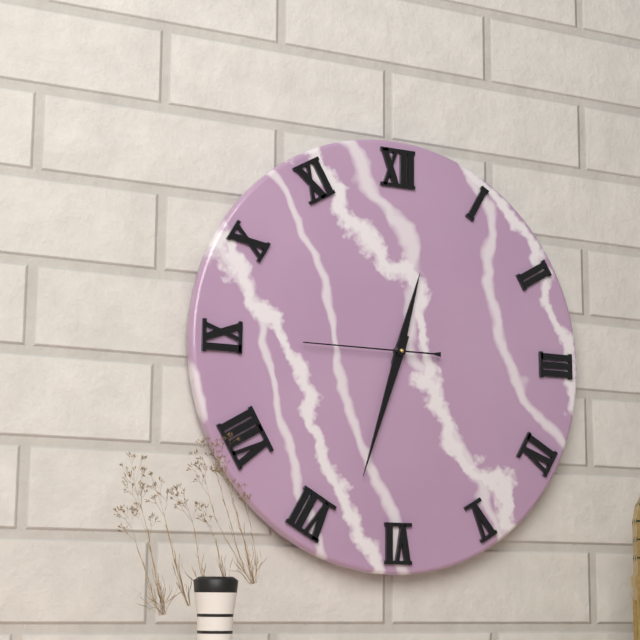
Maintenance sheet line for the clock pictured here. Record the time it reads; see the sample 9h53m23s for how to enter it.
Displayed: 12h33m45s
